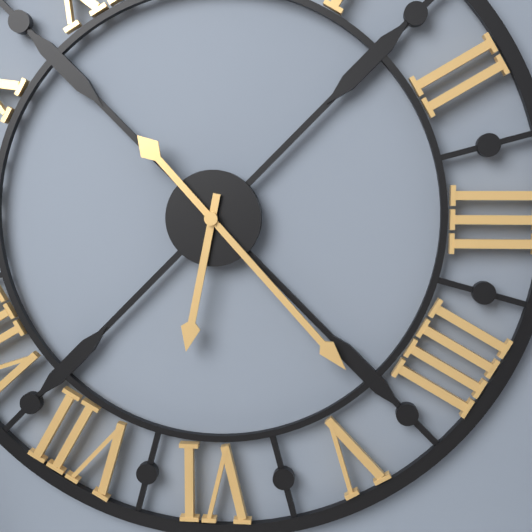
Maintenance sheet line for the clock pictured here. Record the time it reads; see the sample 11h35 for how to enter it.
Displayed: 6h23
